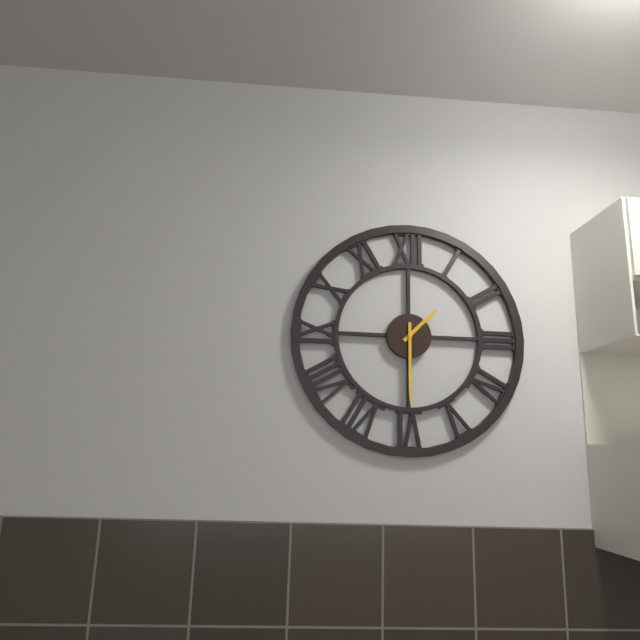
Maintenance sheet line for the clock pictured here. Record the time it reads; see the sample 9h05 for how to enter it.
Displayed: 1h30
